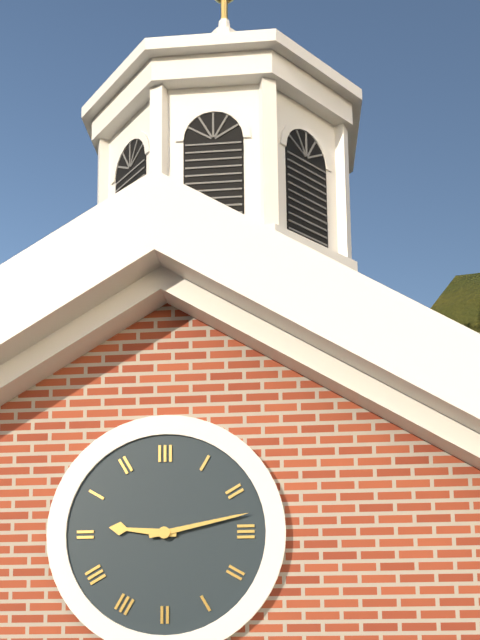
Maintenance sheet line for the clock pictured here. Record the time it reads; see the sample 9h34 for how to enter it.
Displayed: 9h13
